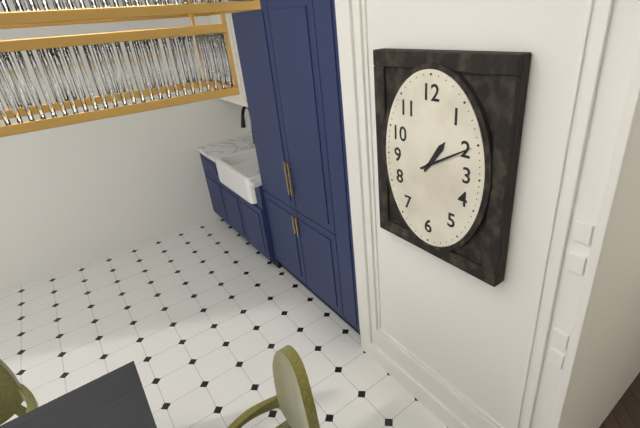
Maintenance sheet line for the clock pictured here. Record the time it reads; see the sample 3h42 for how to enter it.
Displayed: 1h10
